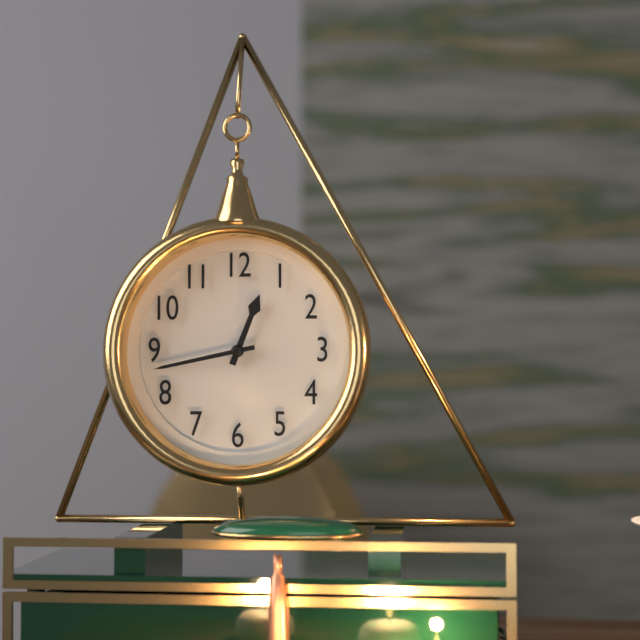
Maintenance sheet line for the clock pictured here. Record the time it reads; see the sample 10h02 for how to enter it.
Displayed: 12h43
